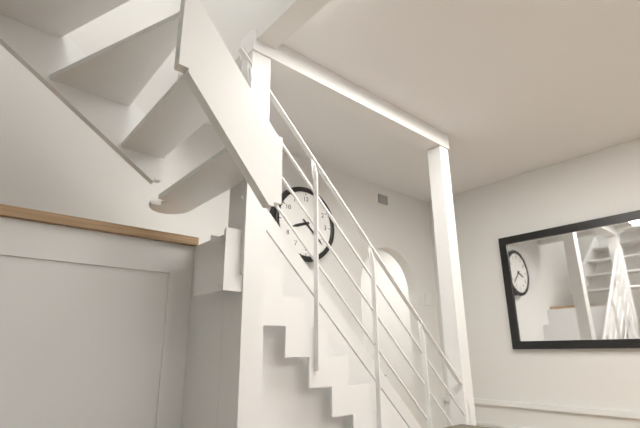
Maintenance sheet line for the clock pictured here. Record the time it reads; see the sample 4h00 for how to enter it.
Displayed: 8h22
